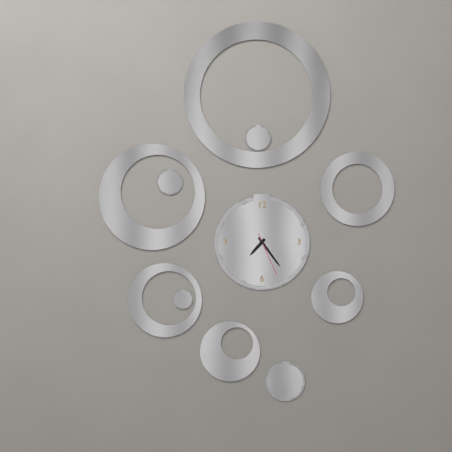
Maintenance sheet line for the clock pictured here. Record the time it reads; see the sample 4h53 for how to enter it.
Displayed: 7h24
